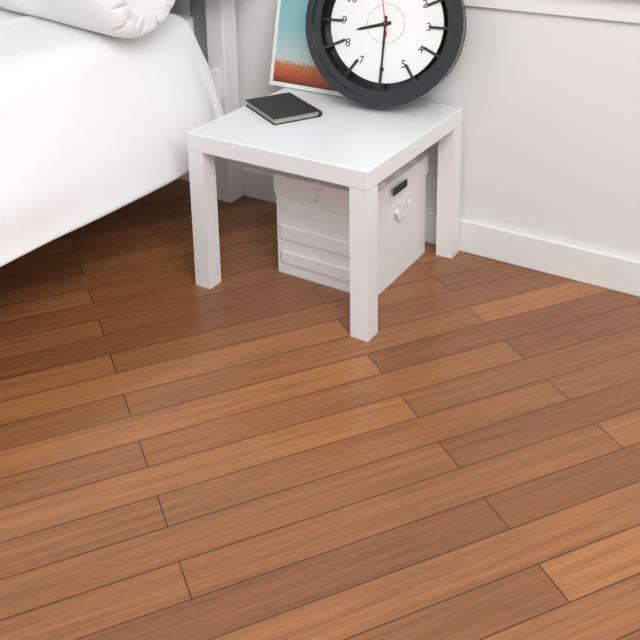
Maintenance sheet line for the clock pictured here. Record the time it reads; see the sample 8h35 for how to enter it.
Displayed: 8h30
